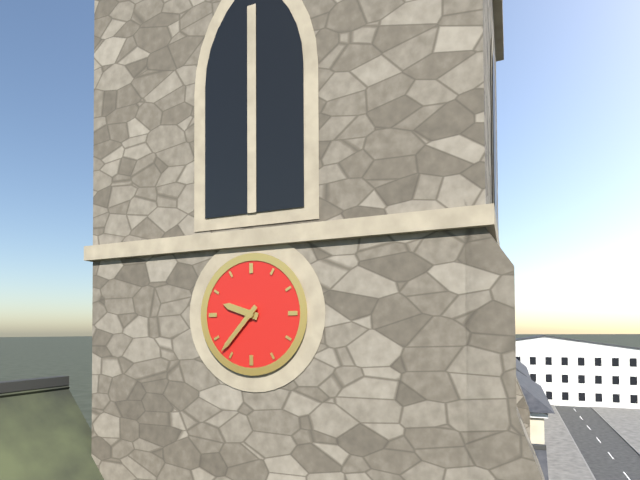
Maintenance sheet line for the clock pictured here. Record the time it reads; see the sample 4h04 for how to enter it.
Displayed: 9h37
